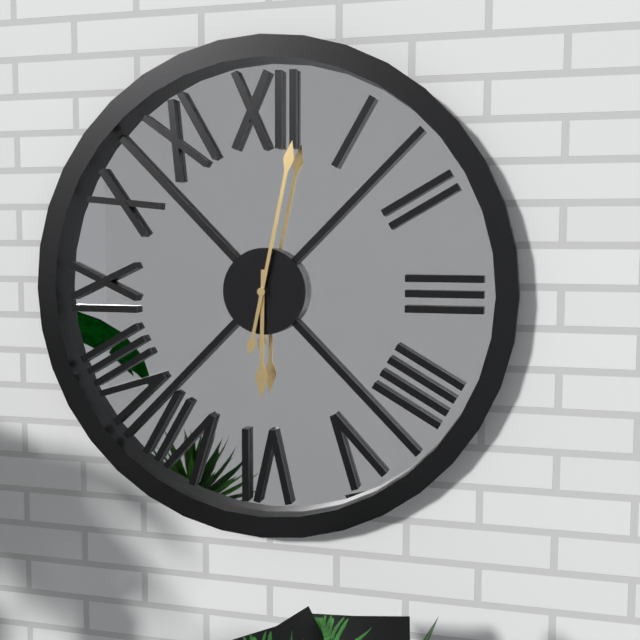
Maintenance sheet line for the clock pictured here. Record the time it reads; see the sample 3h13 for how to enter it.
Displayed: 6h02
